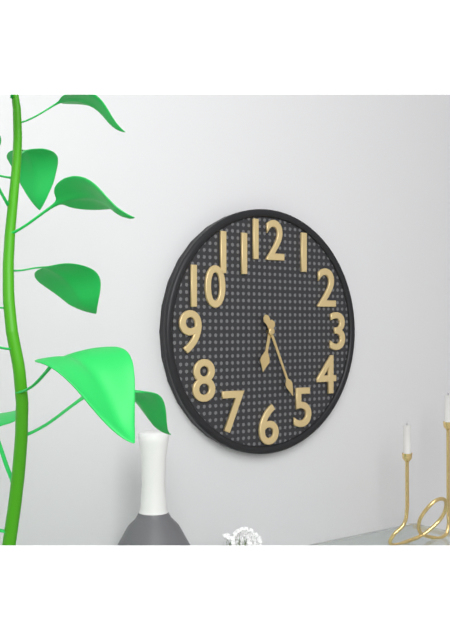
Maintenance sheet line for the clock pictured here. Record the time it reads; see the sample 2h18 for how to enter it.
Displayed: 6h26
